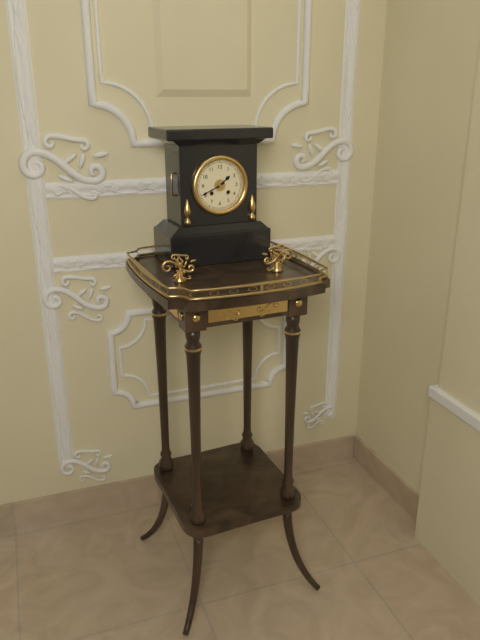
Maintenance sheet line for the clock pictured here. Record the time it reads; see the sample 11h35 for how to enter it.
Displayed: 1h41
